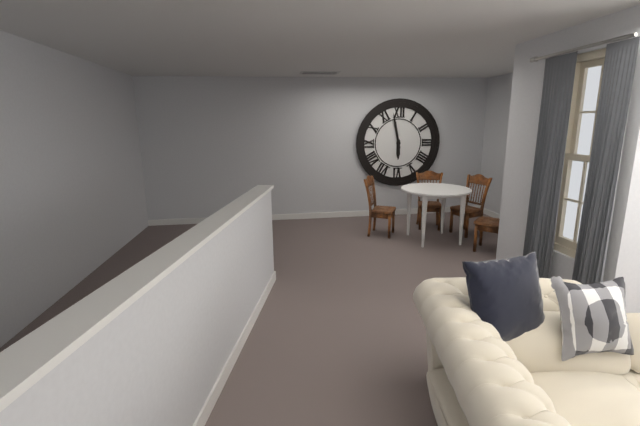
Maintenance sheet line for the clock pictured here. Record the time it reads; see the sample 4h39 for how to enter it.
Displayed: 5h58
